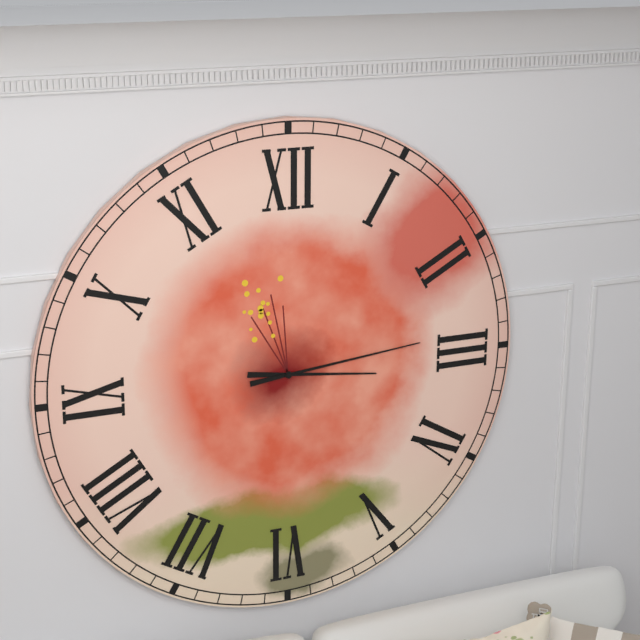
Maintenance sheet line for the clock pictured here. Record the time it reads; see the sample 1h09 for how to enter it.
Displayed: 3h14
